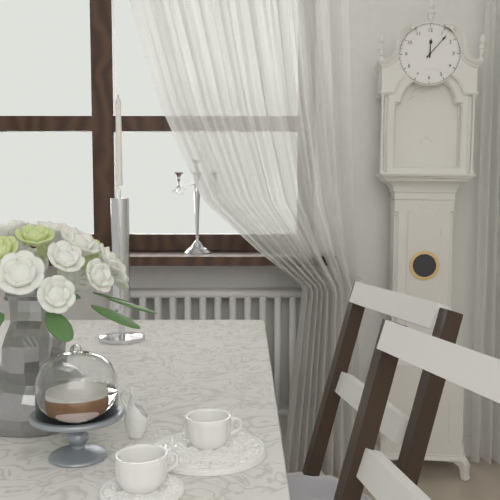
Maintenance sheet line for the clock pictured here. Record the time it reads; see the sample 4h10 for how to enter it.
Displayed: 12h07
